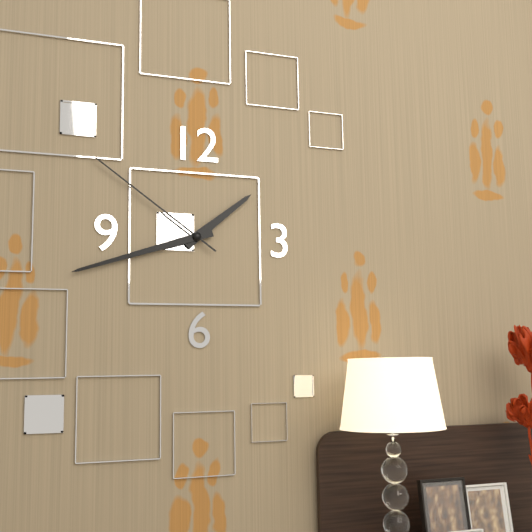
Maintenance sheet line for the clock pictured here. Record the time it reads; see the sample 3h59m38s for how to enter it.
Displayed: 1h42m51s
